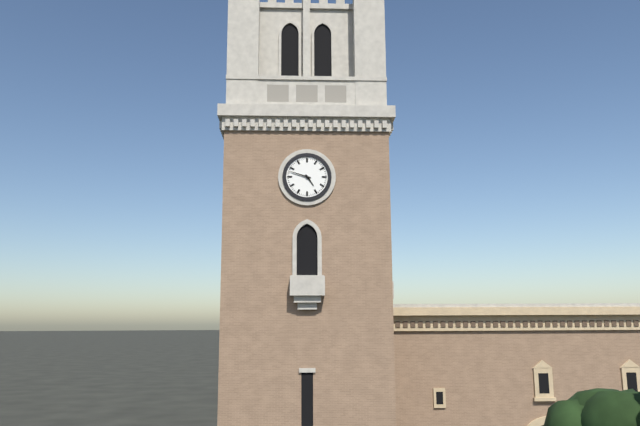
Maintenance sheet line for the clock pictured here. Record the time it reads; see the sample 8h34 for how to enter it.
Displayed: 4h48
